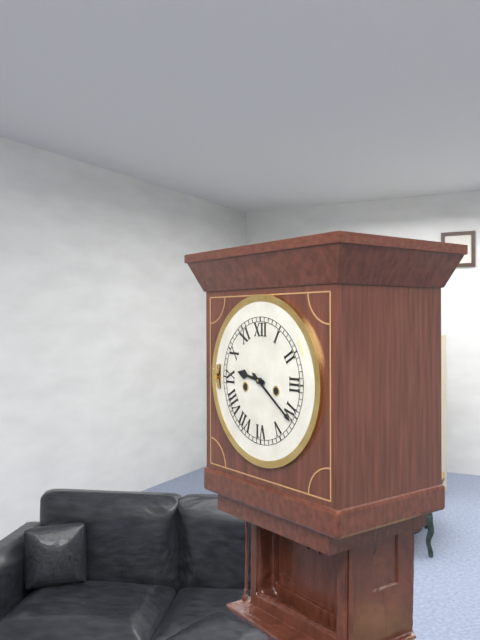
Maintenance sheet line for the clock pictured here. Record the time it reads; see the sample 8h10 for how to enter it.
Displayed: 9h21
